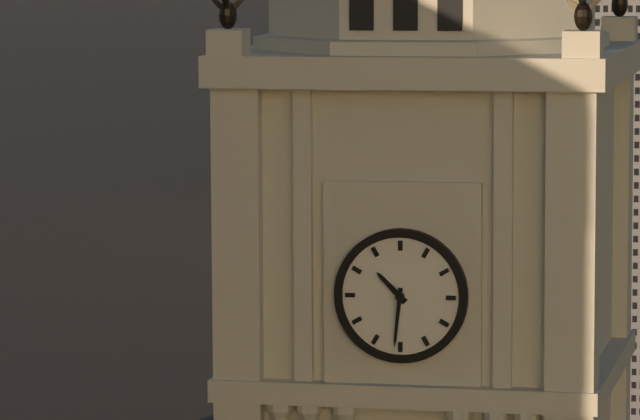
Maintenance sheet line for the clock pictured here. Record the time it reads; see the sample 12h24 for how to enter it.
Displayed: 10h31
